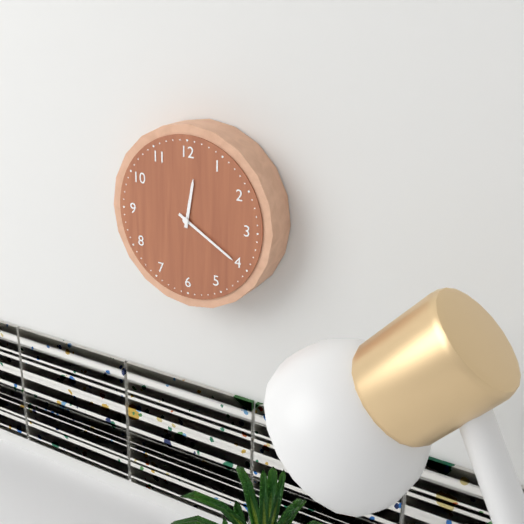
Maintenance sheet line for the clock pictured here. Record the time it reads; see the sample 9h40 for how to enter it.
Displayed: 12h20
